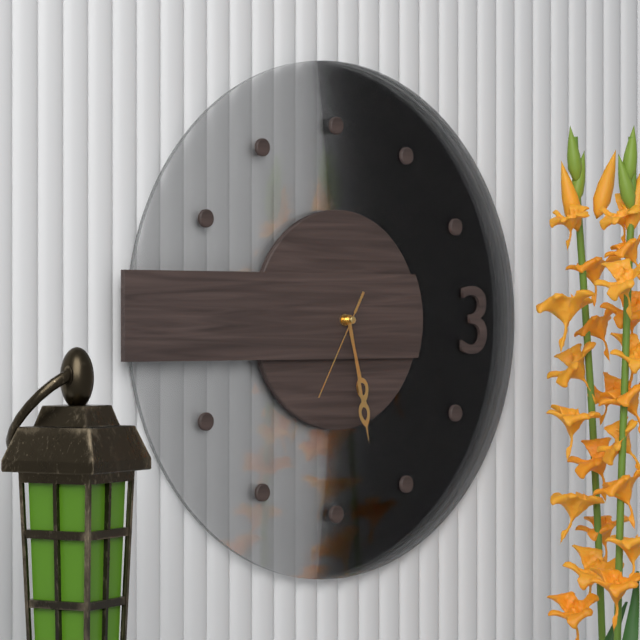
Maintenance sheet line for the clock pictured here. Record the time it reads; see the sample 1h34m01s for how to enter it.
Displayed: 5h28m35s
